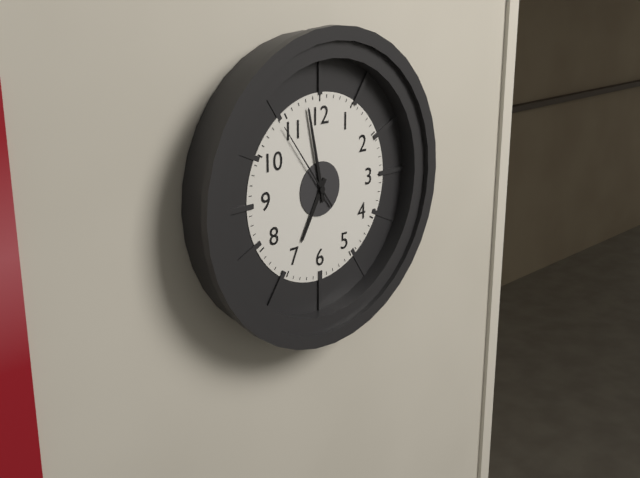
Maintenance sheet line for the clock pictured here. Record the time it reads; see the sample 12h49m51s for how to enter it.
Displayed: 6h58m54s
